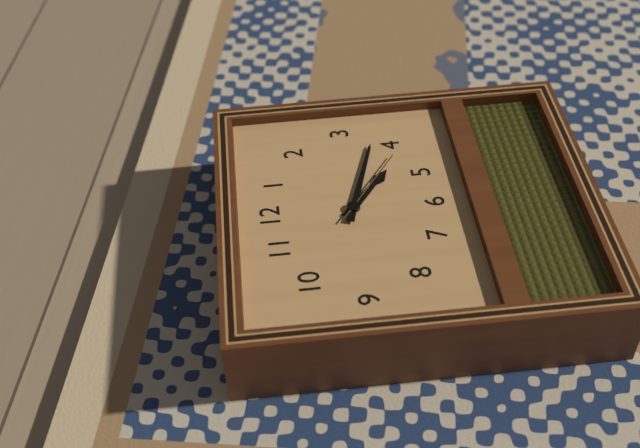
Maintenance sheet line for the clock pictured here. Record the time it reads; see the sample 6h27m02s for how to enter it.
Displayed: 4h18m21s
